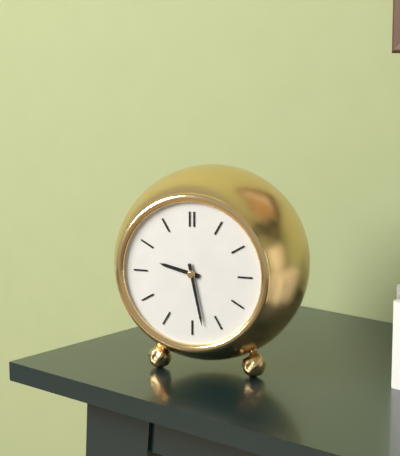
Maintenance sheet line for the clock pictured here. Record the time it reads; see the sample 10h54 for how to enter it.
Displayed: 9h28
